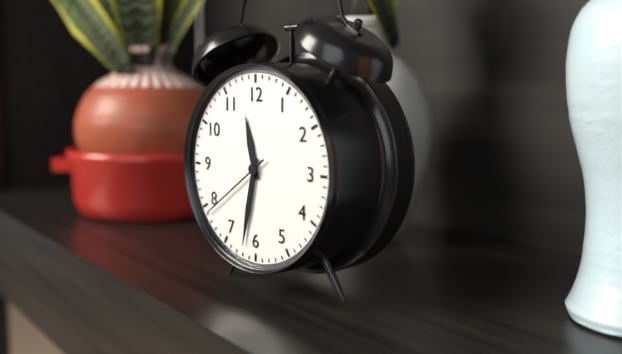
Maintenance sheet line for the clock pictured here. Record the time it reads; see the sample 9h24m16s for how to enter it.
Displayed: 11h32m39s
